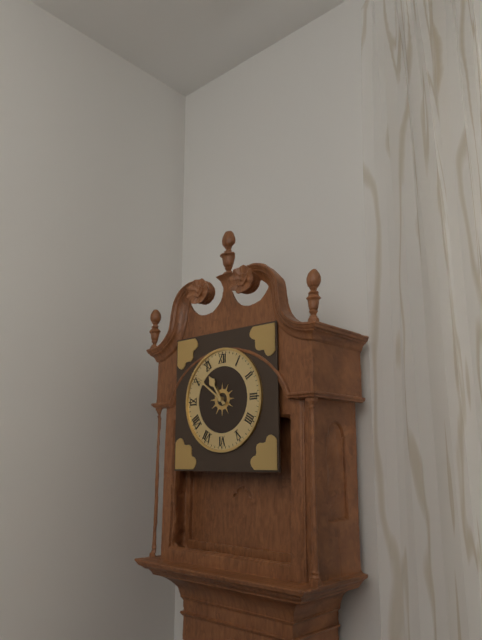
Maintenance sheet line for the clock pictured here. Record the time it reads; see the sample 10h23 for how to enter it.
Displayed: 10h51
